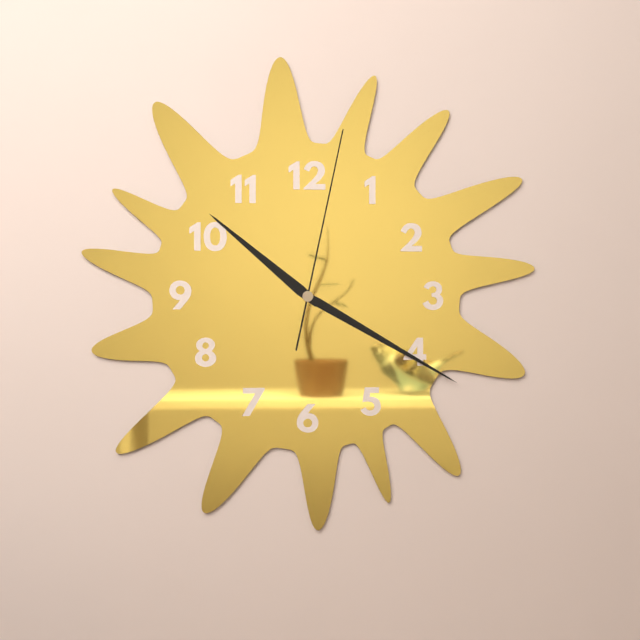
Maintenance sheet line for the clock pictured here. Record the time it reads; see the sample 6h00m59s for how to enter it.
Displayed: 10h20m02s
